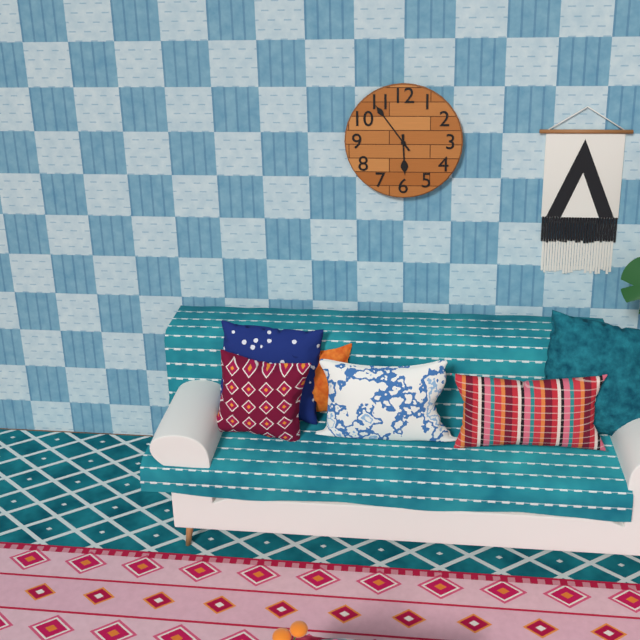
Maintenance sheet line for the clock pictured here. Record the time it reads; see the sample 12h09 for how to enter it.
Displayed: 5h54
